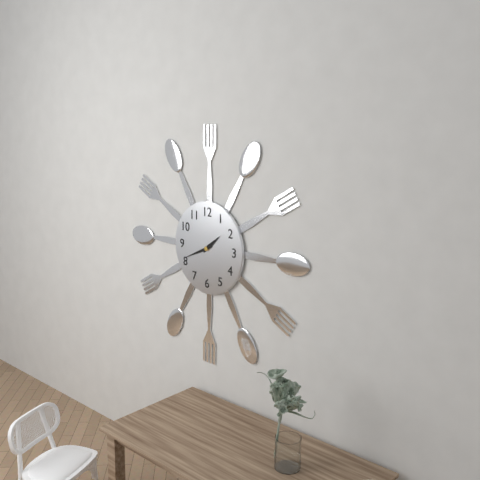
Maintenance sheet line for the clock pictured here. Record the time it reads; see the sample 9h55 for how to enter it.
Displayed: 1h41
